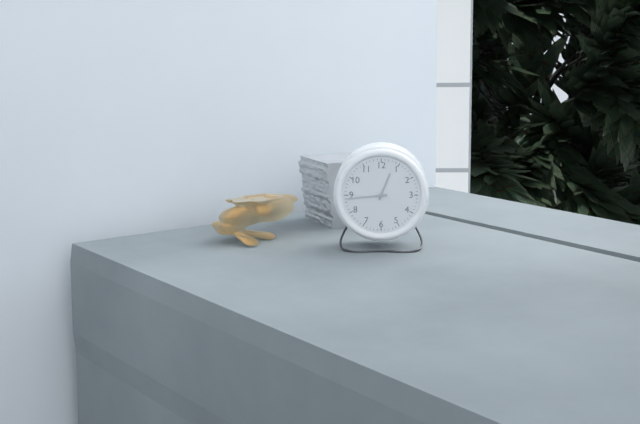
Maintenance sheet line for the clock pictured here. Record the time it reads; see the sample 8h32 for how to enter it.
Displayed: 12h44
